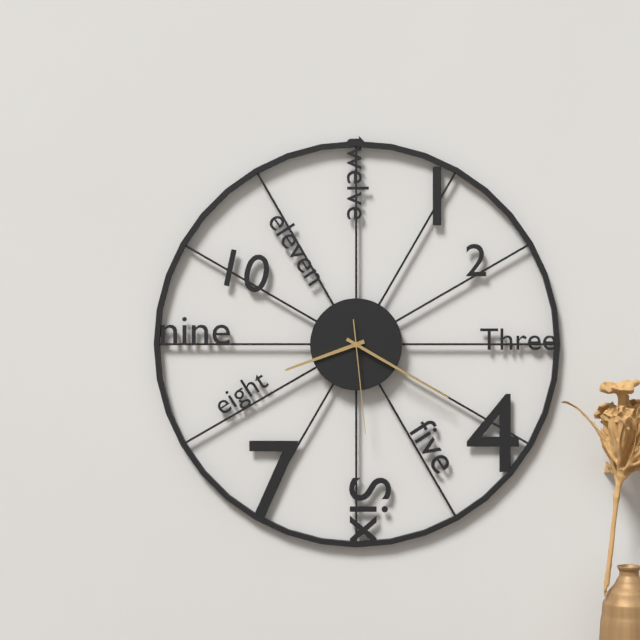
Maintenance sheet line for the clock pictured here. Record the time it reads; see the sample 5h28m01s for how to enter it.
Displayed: 8h20m29s
